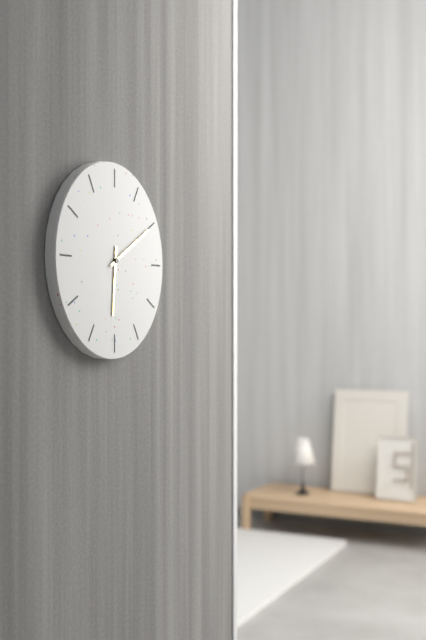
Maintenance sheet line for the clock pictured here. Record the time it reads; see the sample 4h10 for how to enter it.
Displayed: 6h10
